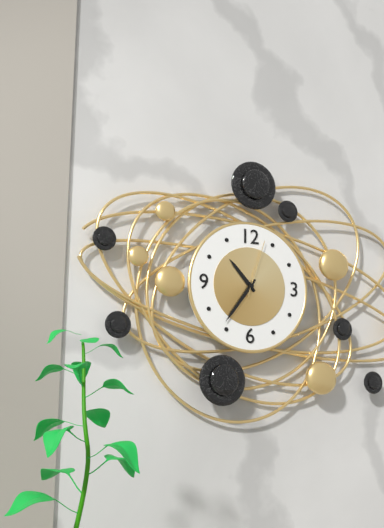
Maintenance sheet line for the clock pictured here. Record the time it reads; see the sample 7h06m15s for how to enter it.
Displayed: 10h36m03s
